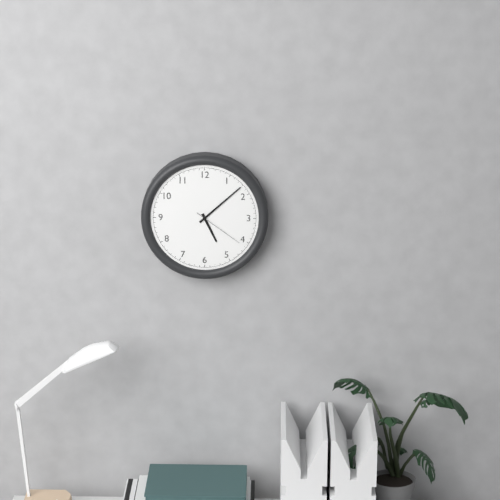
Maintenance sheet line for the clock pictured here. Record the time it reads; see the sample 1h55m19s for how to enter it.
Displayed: 5h08m21s
